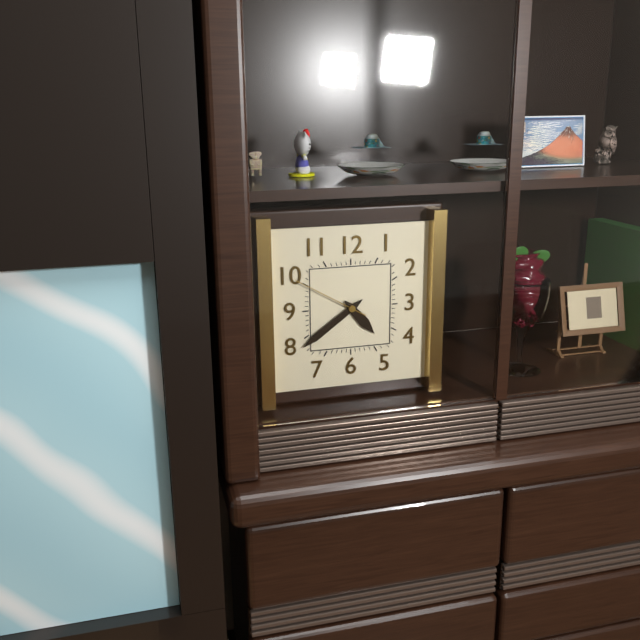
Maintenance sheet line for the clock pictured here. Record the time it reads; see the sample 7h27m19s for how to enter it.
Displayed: 4h39m50s
